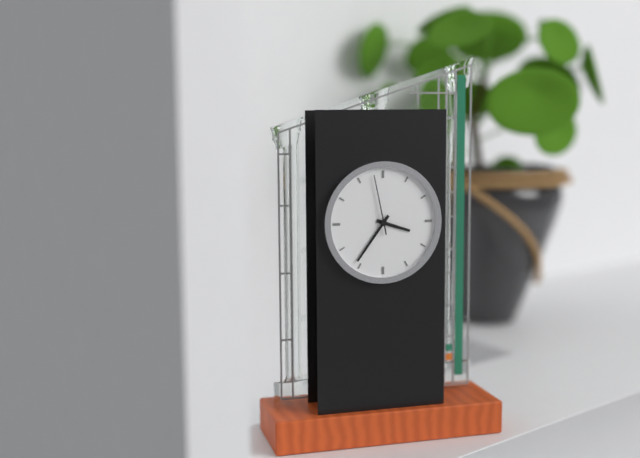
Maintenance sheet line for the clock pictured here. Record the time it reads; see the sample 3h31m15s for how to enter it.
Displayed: 3h36m58s
